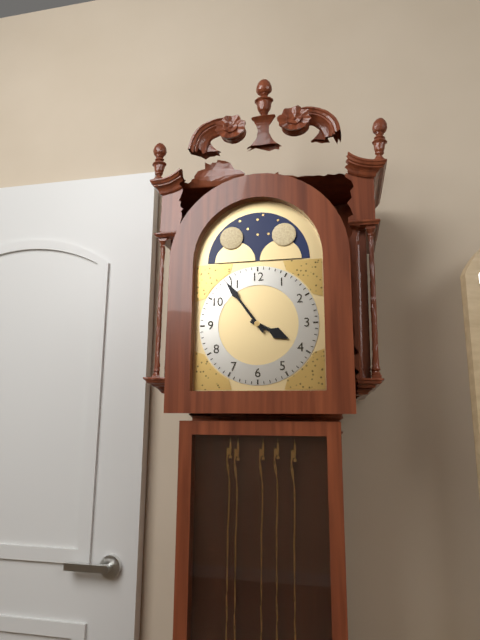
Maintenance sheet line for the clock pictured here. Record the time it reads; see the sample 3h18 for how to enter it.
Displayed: 3h54
